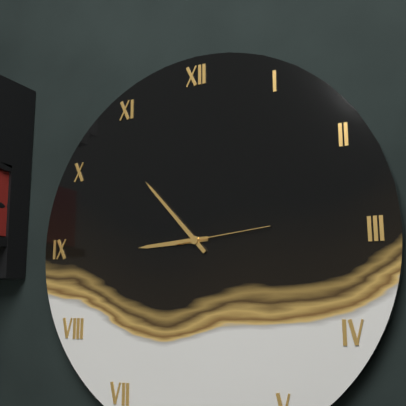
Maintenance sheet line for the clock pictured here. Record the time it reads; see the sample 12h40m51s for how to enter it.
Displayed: 8h53m14s
